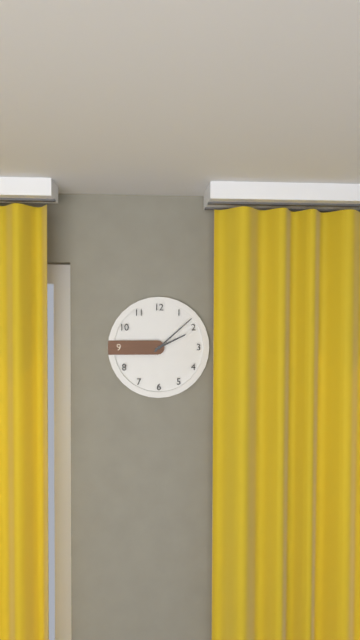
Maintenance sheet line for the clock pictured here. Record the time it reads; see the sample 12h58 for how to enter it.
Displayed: 2h08
